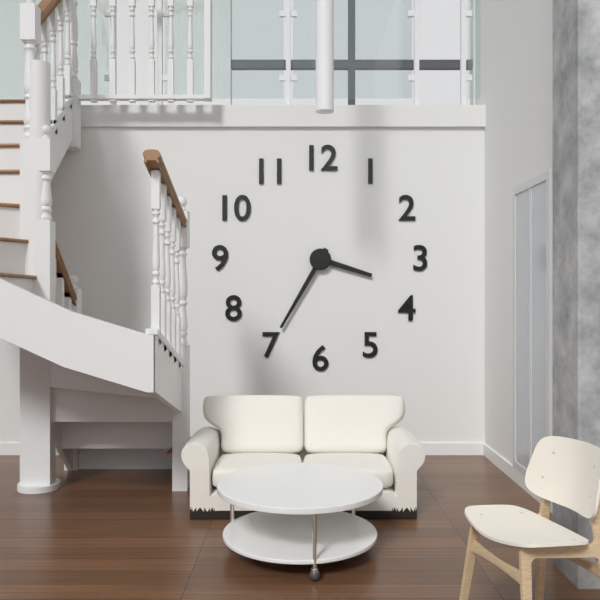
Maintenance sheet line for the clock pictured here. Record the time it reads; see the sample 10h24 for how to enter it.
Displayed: 3h35
